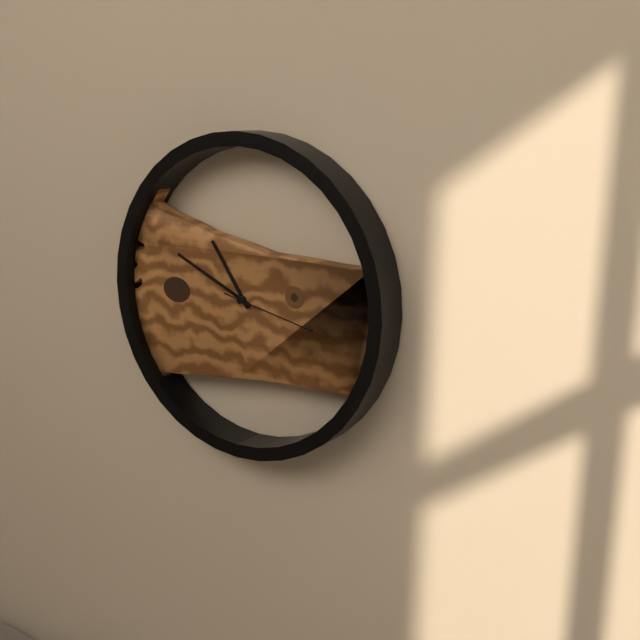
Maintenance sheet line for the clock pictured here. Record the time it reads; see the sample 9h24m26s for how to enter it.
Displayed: 10h49m17s
